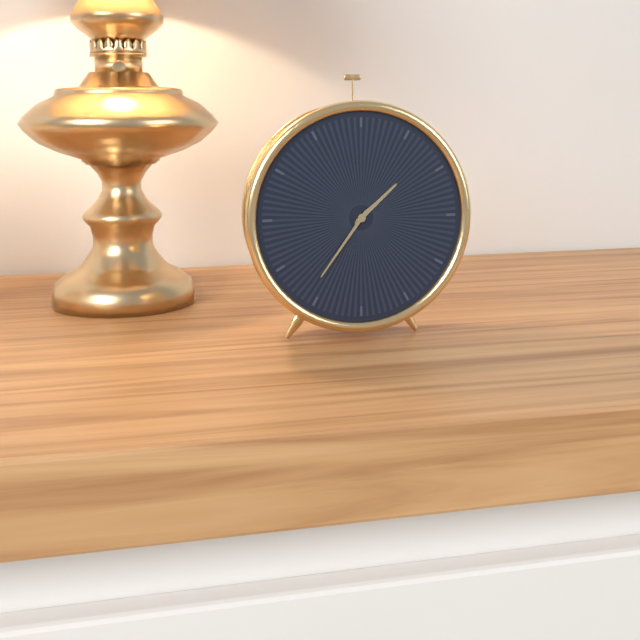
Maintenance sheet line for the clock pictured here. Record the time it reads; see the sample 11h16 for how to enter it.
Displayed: 1h36
